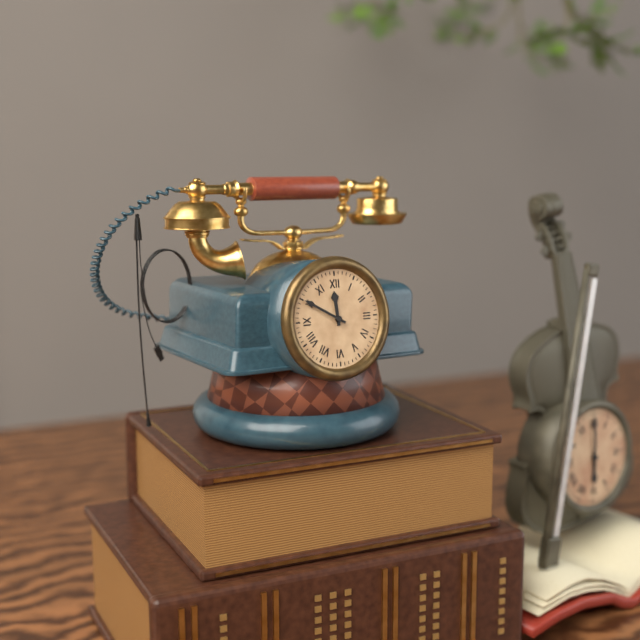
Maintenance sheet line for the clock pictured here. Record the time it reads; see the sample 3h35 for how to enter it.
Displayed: 11h50
